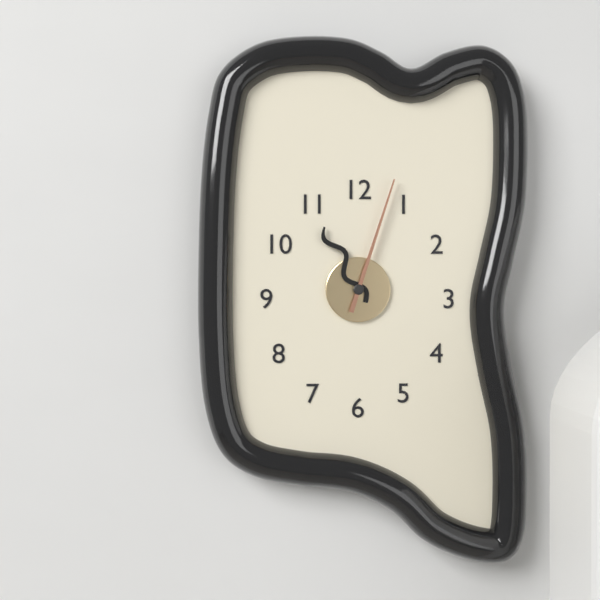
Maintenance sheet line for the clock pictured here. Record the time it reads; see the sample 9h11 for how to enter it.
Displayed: 11h03
